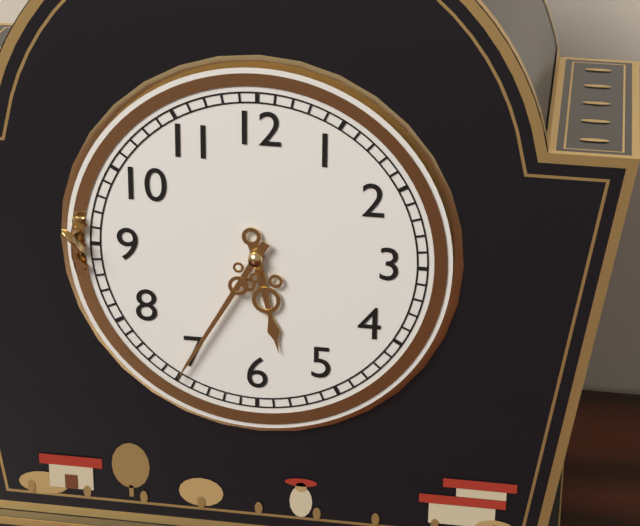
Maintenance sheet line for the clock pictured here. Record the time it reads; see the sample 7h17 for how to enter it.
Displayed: 5h35
